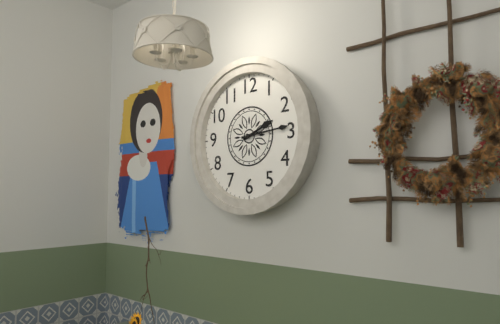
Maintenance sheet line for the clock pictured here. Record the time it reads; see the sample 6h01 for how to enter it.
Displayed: 2h14
